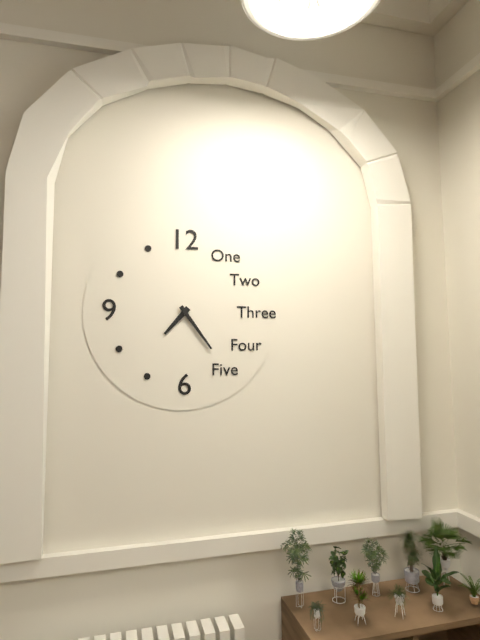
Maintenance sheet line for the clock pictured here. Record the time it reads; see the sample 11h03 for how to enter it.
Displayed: 7h24
